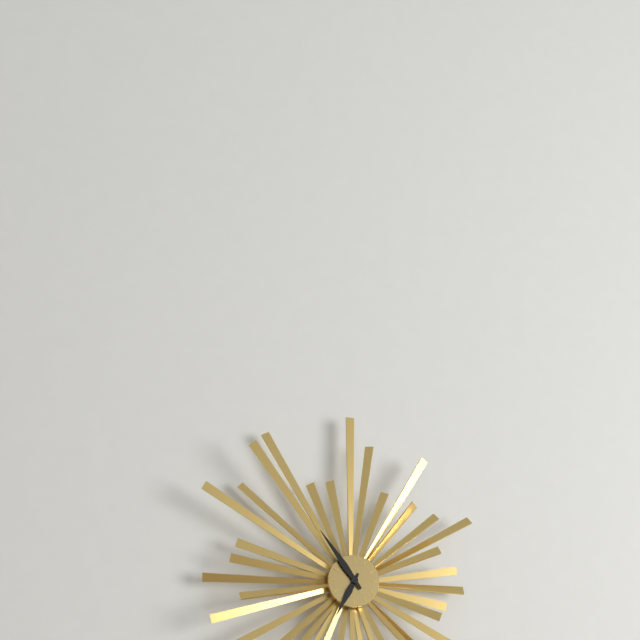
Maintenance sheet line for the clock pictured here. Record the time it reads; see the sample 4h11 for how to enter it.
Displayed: 6h54
